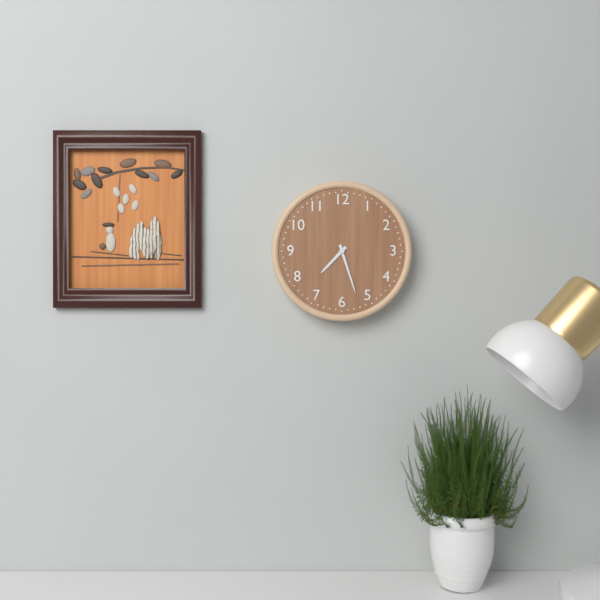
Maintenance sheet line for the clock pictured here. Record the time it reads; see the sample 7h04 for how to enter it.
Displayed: 7h27
